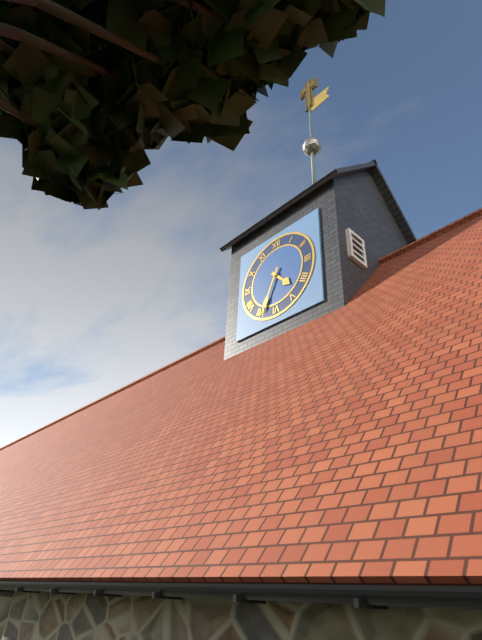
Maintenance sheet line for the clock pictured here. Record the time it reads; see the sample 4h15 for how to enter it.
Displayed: 4h34
